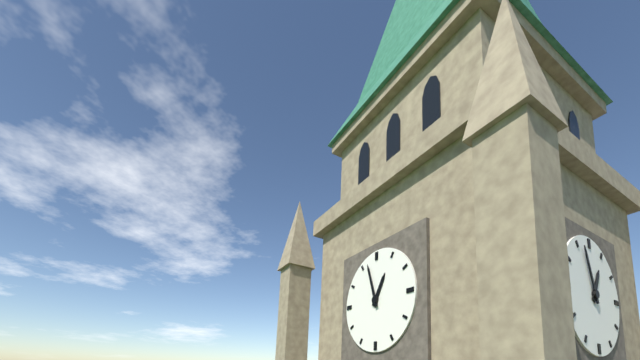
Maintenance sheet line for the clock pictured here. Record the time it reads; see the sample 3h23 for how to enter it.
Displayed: 12h57
